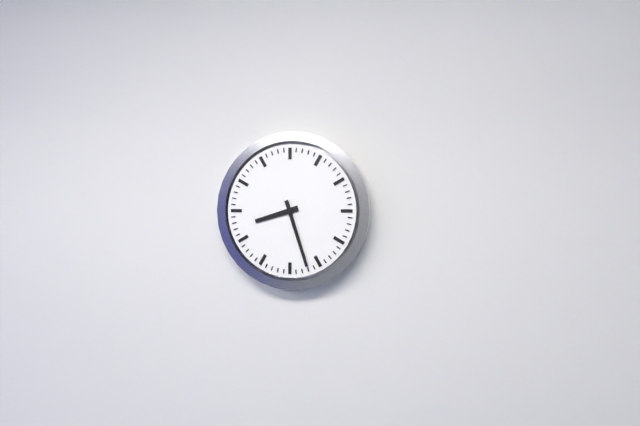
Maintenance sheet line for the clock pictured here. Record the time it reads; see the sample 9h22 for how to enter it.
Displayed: 8h27
